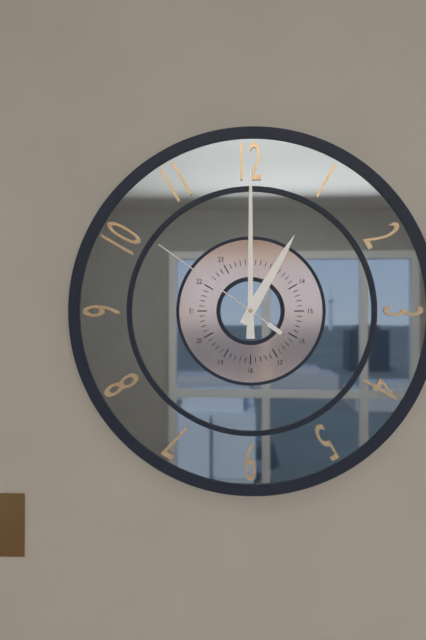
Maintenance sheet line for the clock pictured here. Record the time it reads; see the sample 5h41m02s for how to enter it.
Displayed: 1h00m51s
